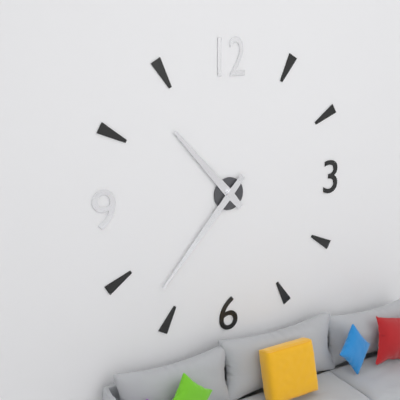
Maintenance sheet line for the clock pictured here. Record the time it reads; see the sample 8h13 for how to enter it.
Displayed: 10h37
